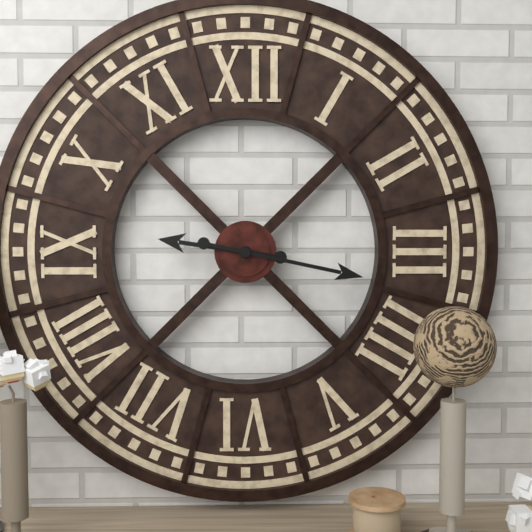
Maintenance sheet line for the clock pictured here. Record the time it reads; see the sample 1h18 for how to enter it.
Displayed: 9h17
